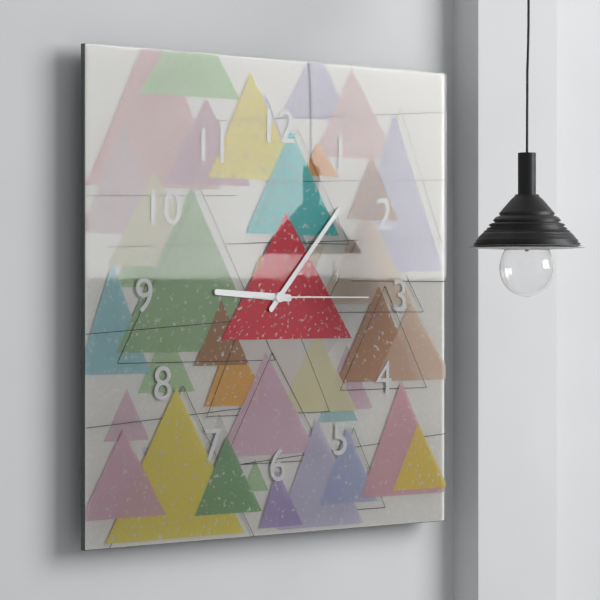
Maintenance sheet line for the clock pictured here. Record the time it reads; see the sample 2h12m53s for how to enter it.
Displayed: 9h07m15s
